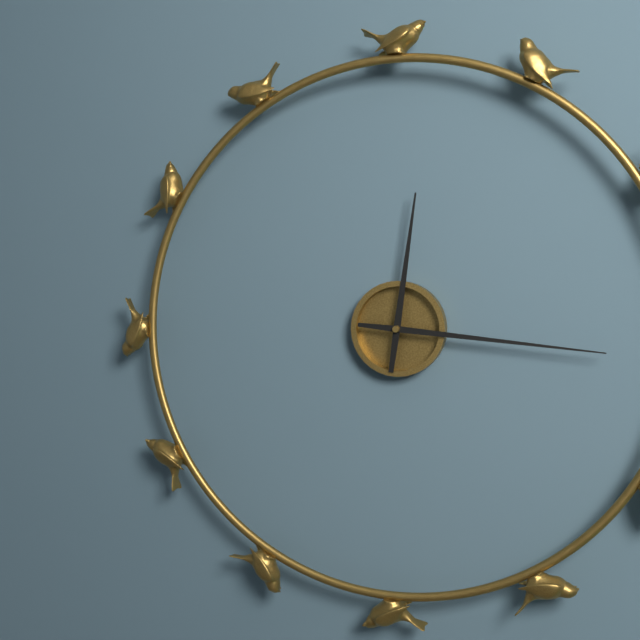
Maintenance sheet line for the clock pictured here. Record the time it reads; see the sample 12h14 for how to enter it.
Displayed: 12h16
